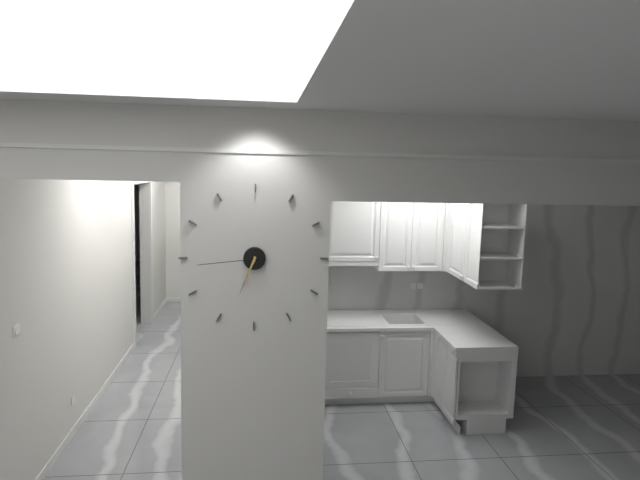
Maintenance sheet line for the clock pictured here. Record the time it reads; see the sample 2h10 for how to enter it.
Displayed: 6h44
